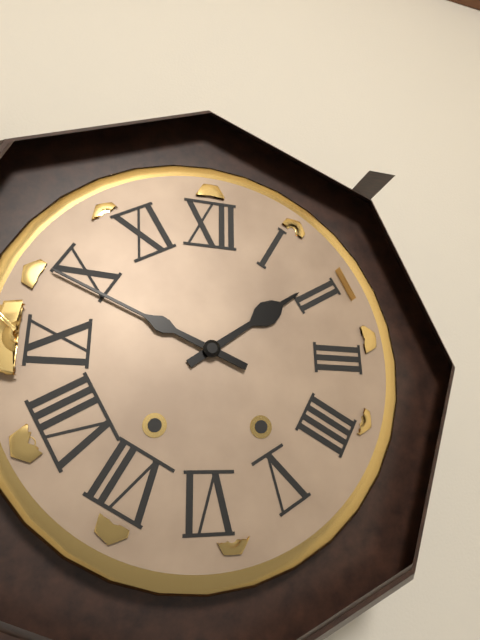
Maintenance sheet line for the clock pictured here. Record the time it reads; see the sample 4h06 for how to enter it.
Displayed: 1h49
